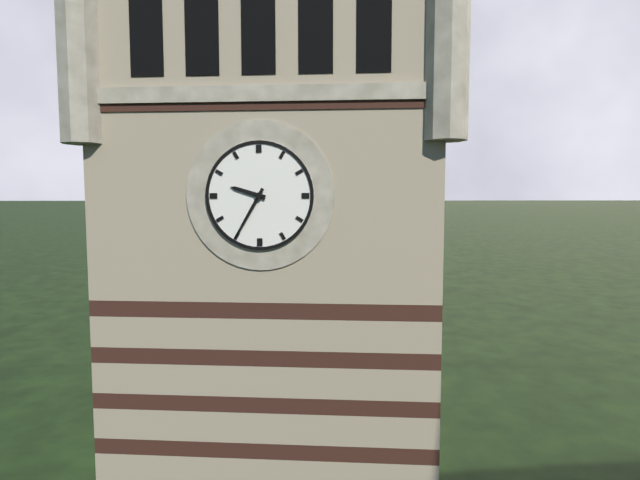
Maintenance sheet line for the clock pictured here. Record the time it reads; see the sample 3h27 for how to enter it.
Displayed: 9h35
